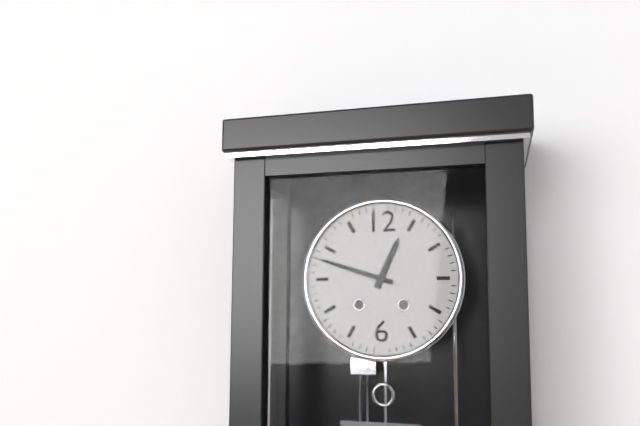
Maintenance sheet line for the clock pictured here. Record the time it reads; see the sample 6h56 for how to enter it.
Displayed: 12h48
